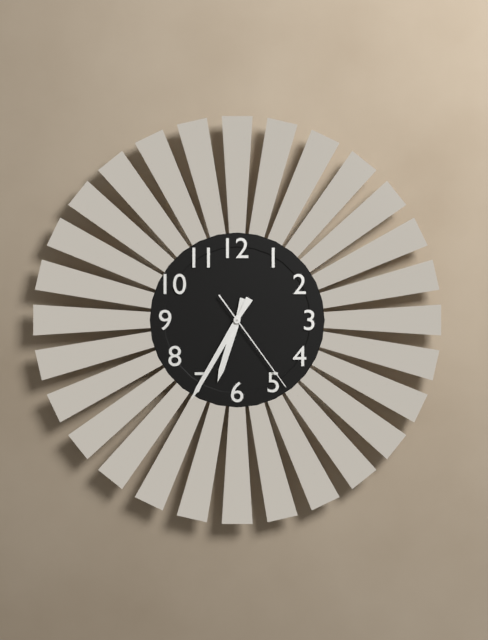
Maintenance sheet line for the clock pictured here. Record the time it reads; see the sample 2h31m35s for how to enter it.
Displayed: 6h35m24s
